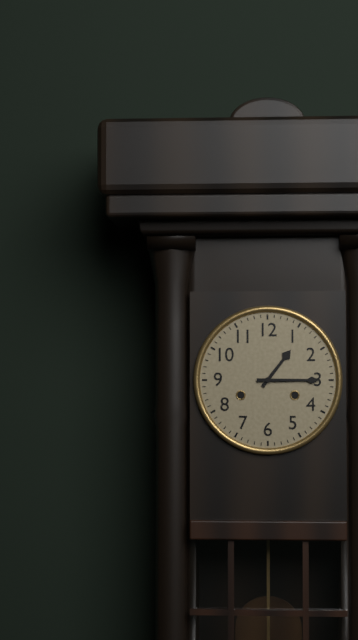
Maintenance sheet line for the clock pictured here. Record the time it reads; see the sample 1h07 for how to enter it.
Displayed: 1h15
